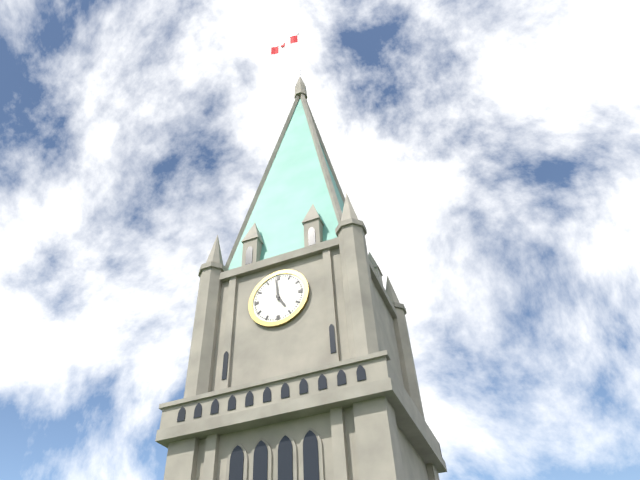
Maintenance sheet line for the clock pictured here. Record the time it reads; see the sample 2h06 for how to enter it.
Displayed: 4h59
